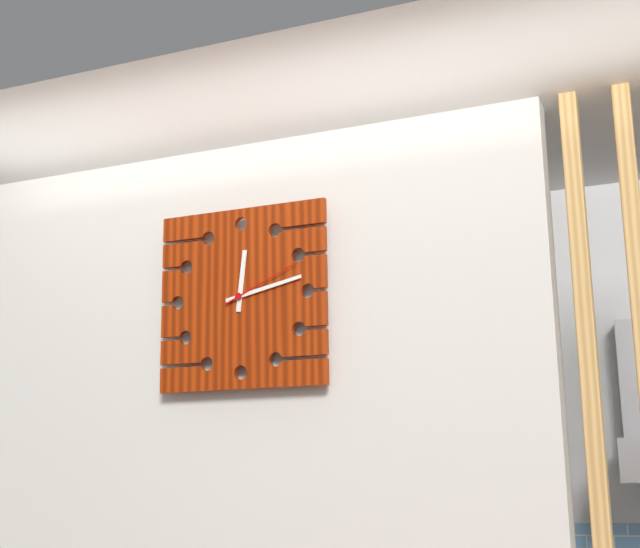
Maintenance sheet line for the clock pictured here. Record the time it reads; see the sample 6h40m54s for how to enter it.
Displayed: 12h13m11s
